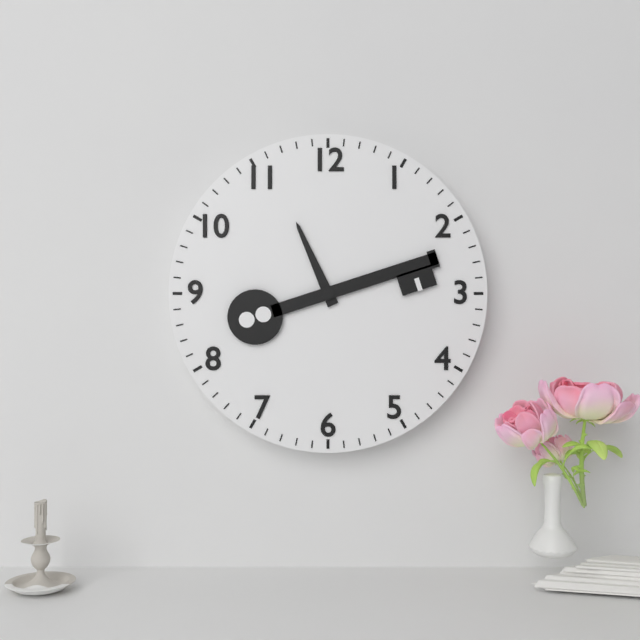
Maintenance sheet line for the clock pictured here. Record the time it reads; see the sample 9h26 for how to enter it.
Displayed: 11h12
